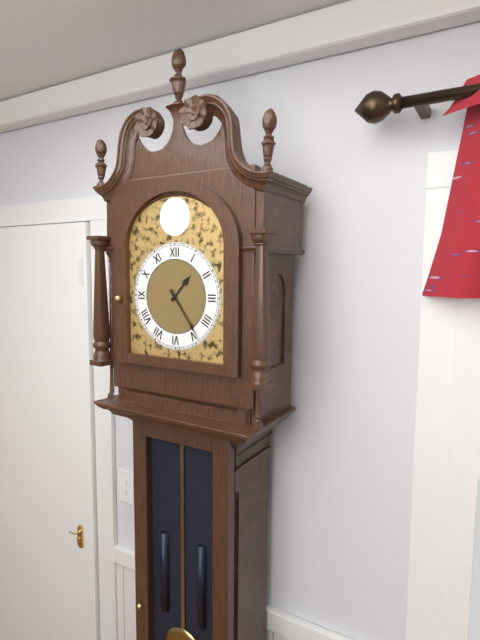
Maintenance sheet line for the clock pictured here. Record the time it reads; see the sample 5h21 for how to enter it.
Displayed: 1h24
